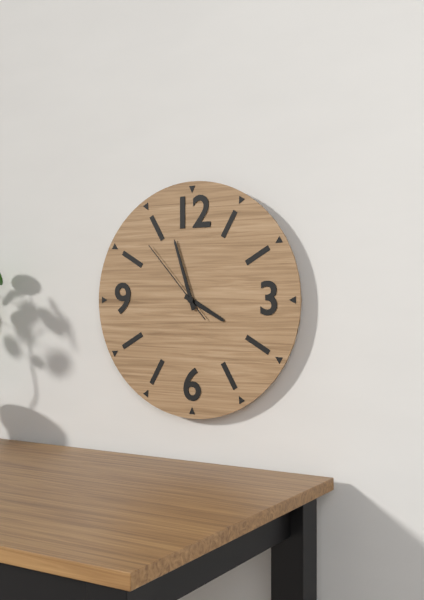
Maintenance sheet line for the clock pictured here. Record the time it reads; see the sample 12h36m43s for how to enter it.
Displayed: 3h57m53s
